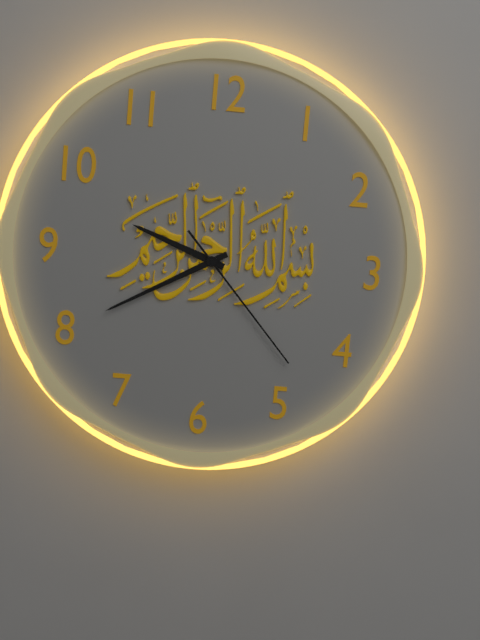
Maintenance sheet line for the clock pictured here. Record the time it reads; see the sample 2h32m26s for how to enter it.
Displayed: 9h40m23s
